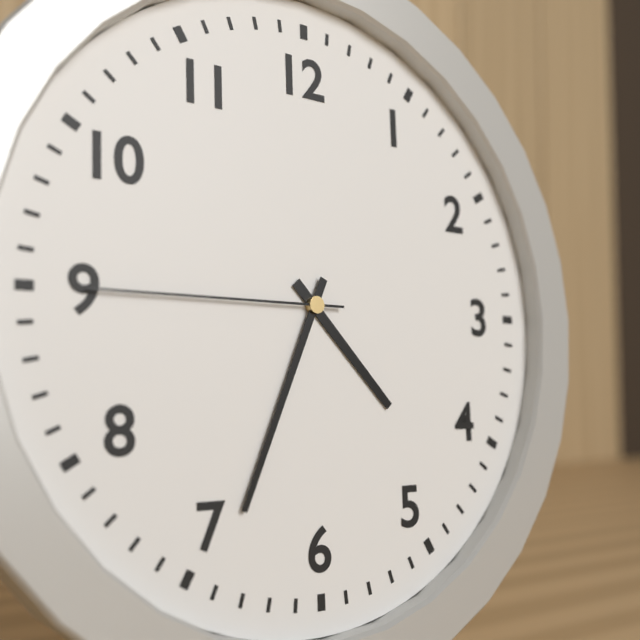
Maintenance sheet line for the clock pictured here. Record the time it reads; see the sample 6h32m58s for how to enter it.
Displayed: 4h34m45s
